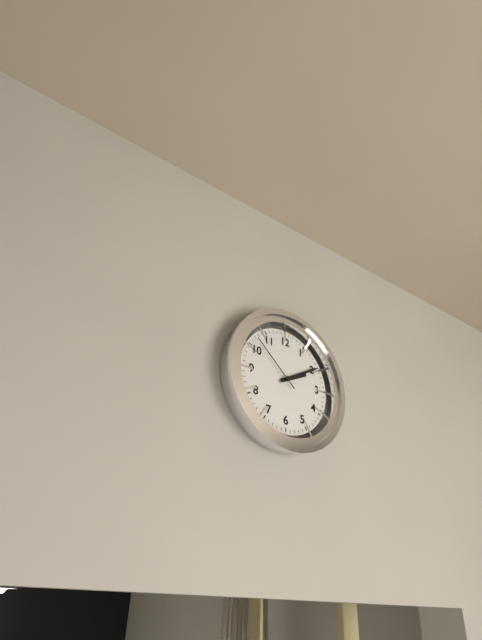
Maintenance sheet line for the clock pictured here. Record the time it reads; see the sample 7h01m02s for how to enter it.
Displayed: 2h10m52s
